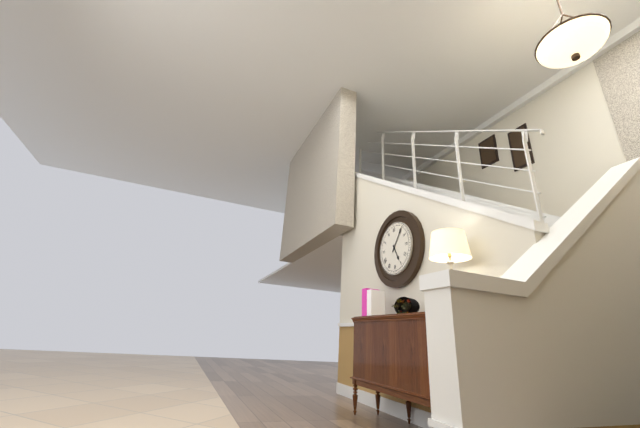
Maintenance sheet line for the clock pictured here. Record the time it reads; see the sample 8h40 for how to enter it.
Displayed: 5h06
